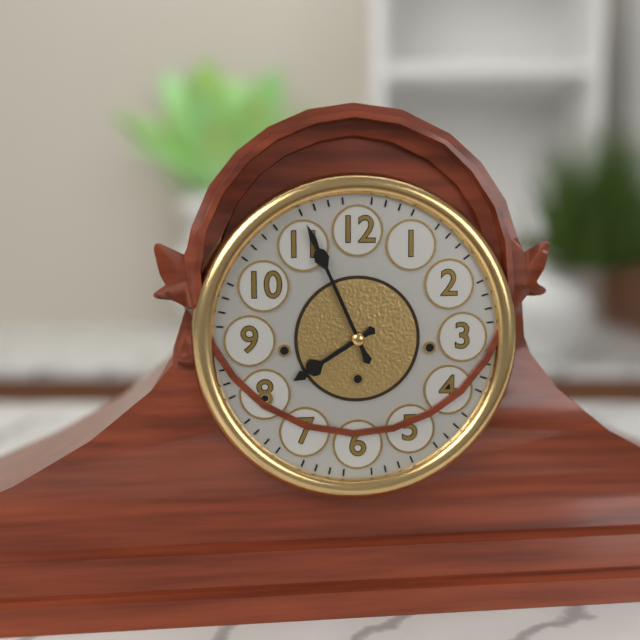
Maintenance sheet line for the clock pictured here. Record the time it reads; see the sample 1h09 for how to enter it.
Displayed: 7h56
